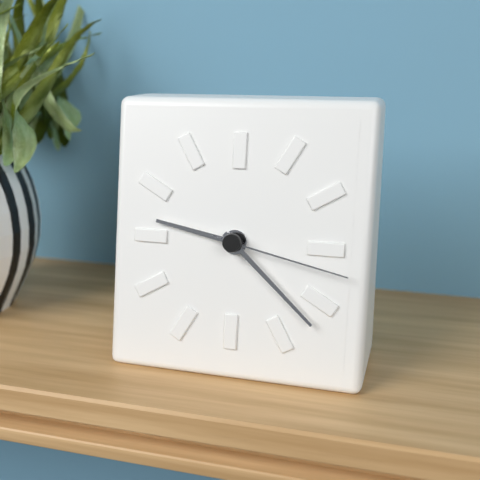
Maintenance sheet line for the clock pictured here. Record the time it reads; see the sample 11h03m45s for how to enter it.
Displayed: 9h22m17s
